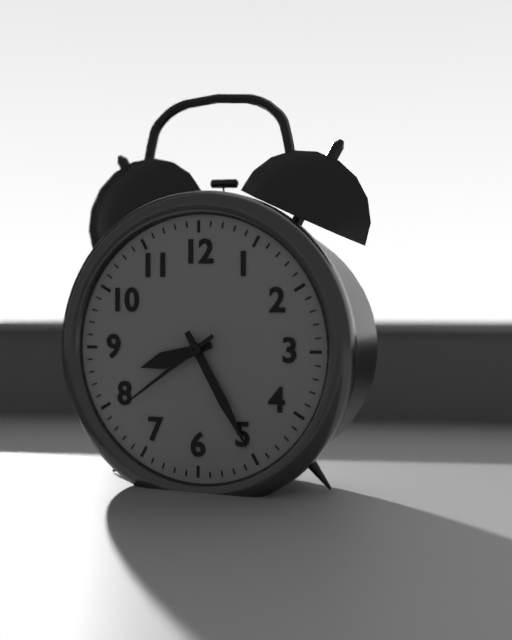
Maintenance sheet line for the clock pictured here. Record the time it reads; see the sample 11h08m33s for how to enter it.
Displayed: 8h25m39s
